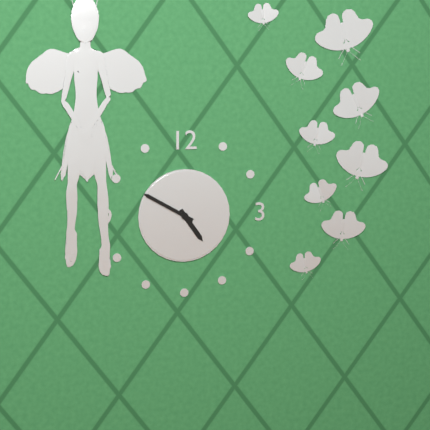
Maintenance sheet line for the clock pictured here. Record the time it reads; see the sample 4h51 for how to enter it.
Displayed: 4h50
